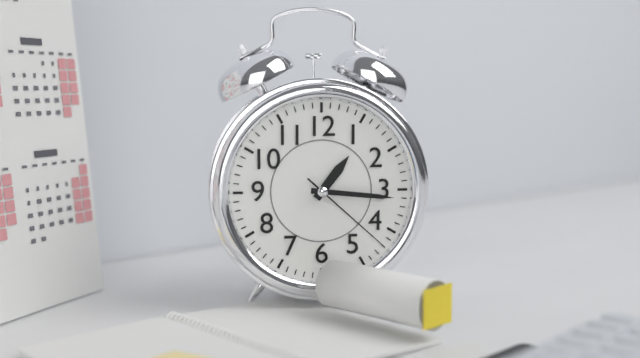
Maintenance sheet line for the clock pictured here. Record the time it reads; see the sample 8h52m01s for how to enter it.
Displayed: 1h16m22s
